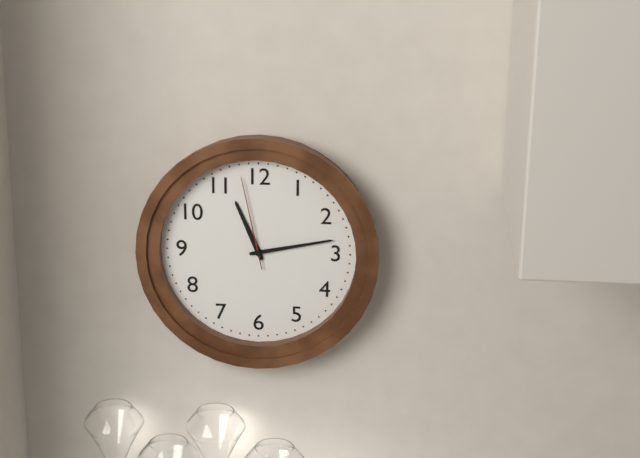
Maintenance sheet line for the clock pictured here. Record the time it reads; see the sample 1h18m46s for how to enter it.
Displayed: 11h13m58s
